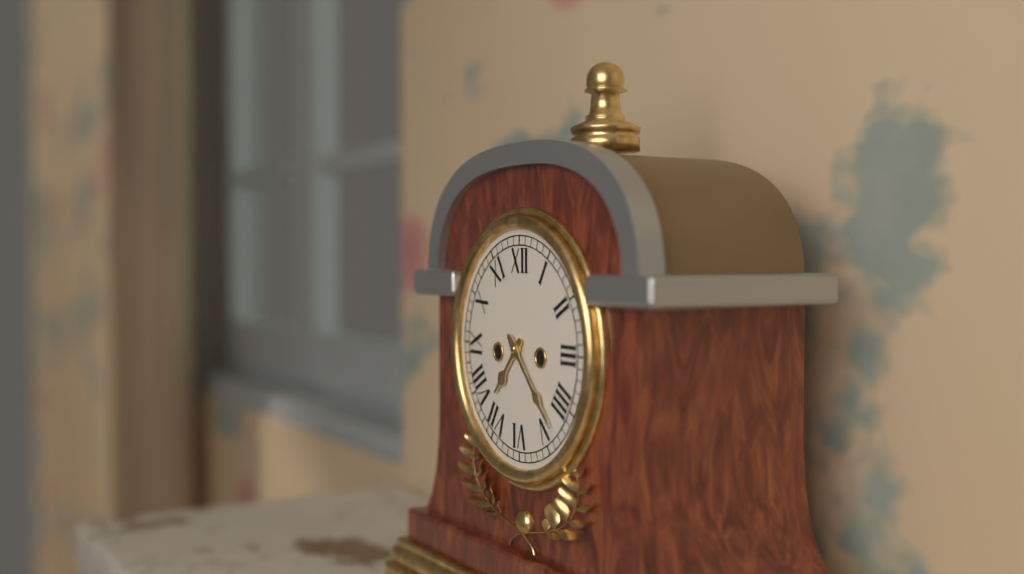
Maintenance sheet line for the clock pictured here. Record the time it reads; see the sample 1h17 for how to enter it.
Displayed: 7h23
